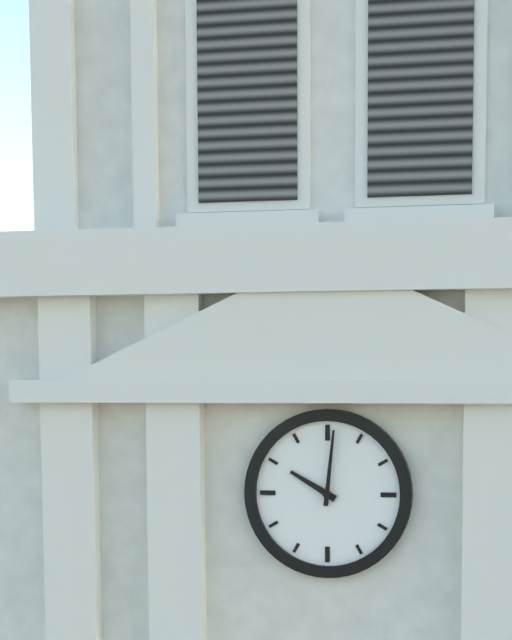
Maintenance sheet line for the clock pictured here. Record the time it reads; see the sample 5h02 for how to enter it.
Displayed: 10h01
